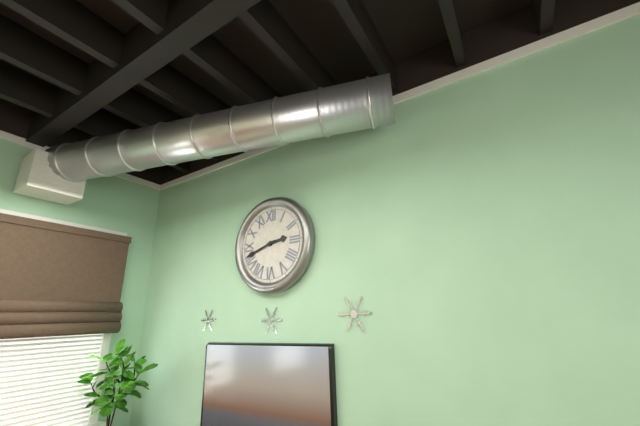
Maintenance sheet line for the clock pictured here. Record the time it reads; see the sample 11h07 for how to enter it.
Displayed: 2h42
